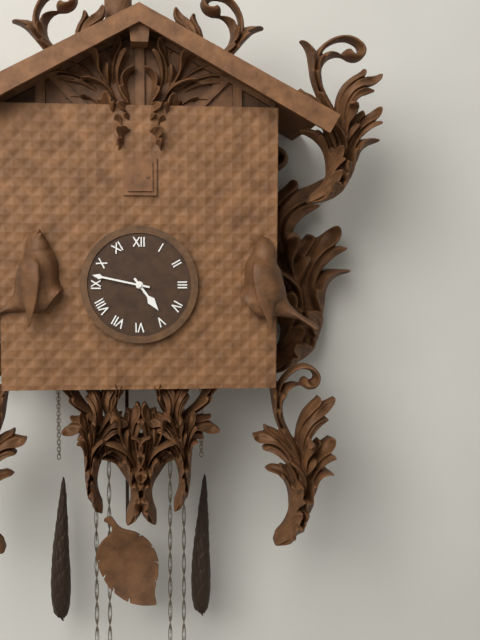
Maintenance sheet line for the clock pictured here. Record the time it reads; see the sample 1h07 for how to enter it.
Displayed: 4h47
